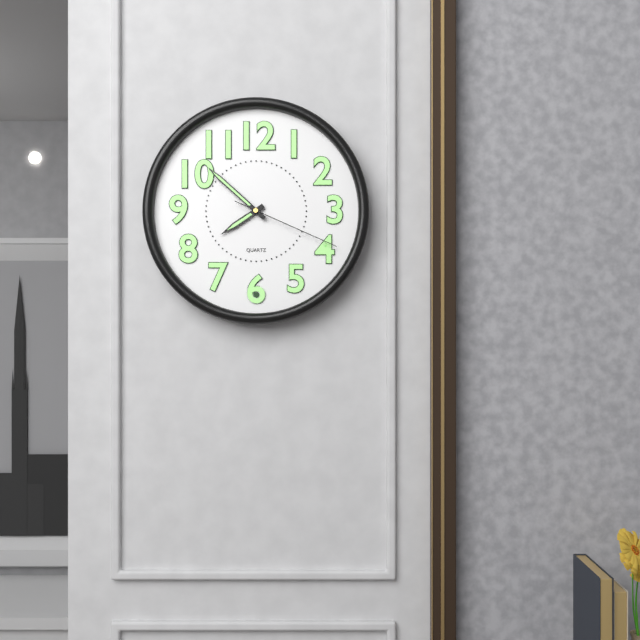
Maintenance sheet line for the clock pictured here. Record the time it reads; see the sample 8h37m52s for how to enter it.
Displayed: 7h52m19s
